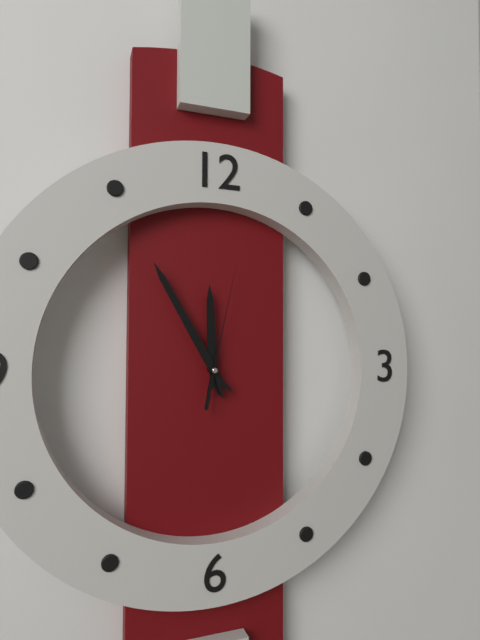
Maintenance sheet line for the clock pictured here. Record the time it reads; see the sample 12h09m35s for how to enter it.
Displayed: 11h55m02s
